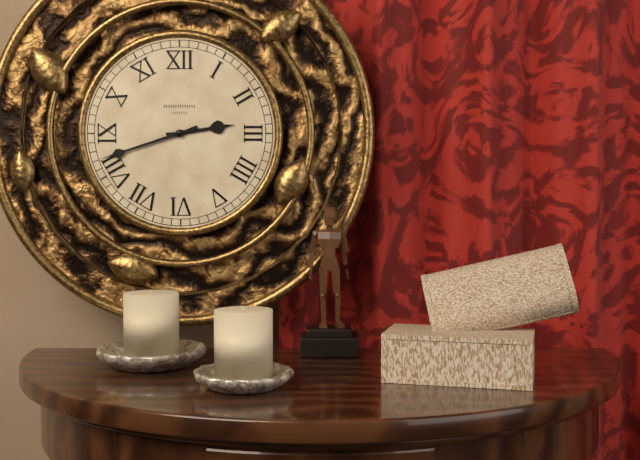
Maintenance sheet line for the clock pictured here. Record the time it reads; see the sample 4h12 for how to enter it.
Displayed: 2h42
